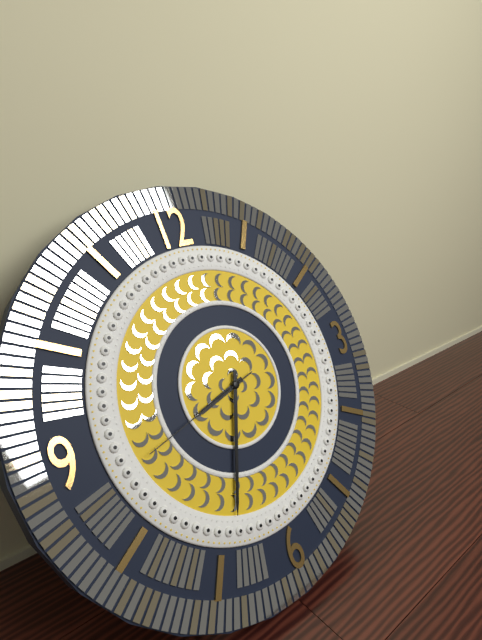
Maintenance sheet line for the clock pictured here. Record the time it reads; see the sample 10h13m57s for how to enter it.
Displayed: 8h34m43s
